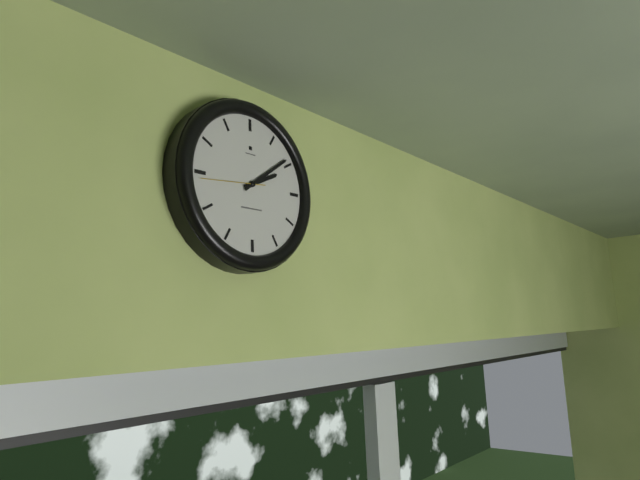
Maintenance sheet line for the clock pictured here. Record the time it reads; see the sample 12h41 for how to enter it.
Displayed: 2h09
